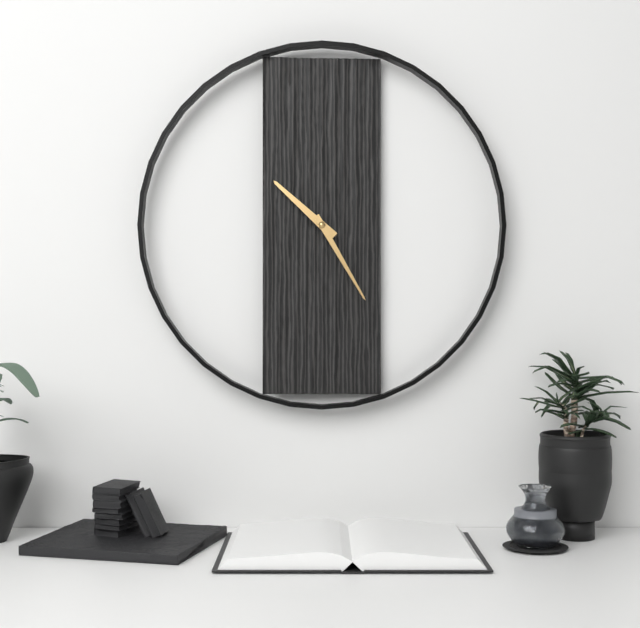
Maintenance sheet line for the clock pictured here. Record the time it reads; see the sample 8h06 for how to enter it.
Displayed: 10h25
